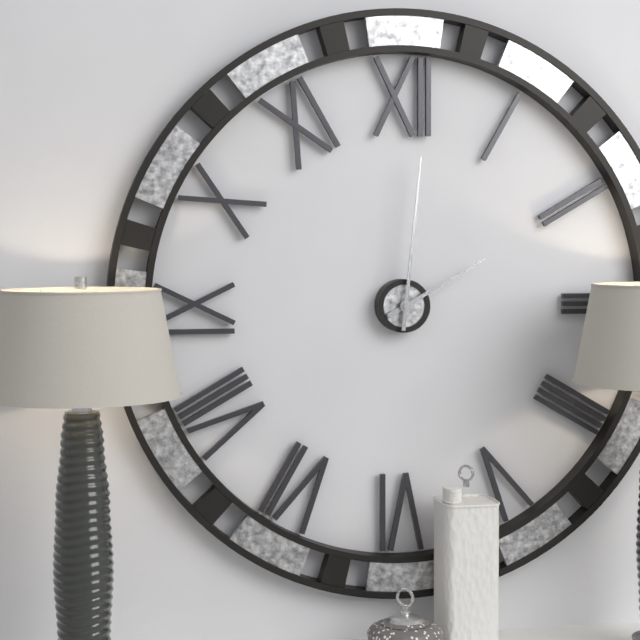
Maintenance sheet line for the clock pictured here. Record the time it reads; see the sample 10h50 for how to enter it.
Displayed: 2h01
